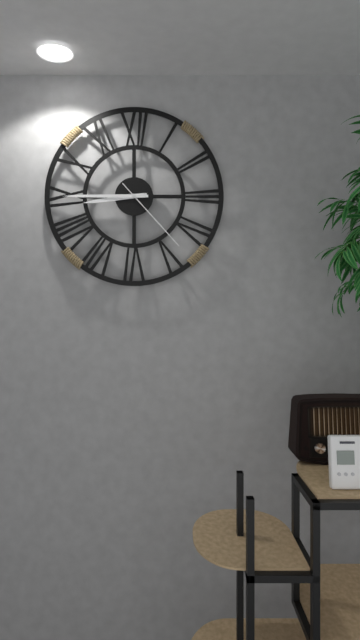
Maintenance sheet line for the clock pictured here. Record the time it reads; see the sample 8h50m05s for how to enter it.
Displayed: 8h45m23s
